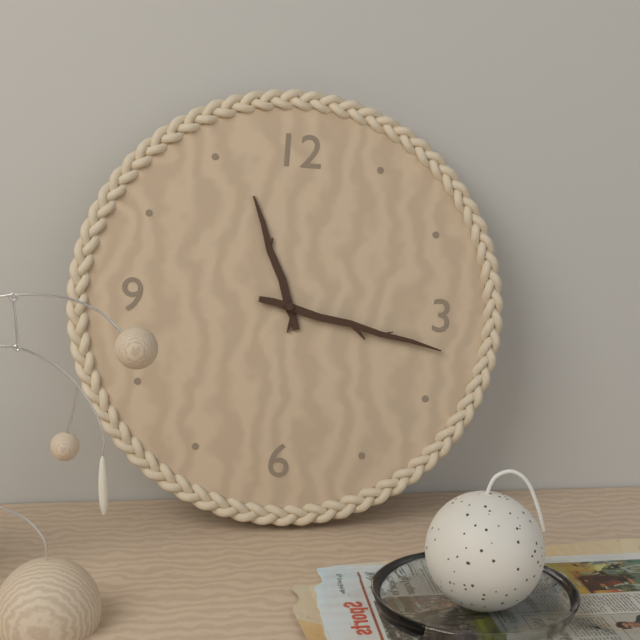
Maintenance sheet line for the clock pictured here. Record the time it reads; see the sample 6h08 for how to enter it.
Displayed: 11h17
